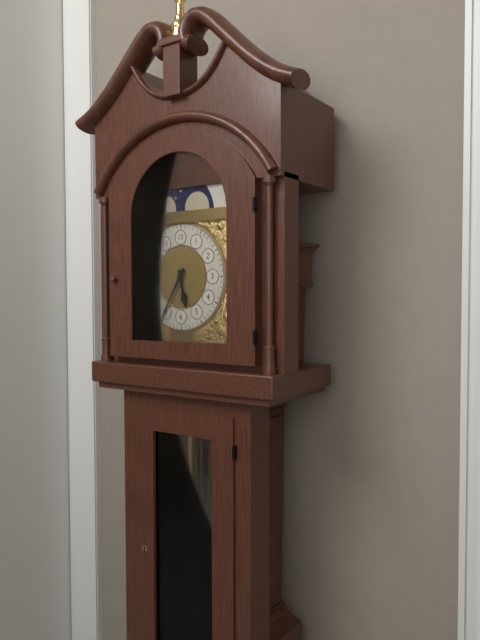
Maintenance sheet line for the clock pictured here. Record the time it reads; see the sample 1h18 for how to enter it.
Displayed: 5h35
